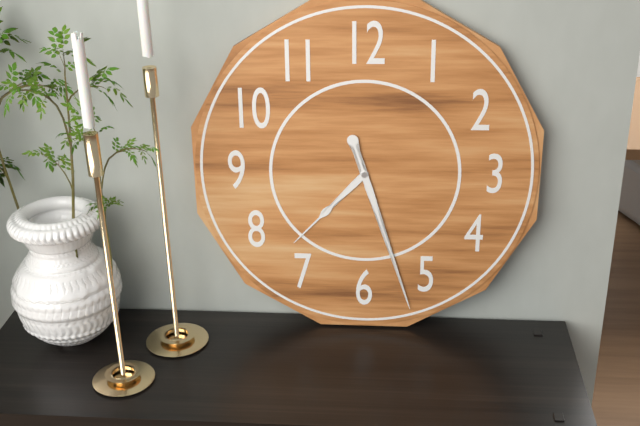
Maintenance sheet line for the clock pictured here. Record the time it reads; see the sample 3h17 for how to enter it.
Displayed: 7h27
